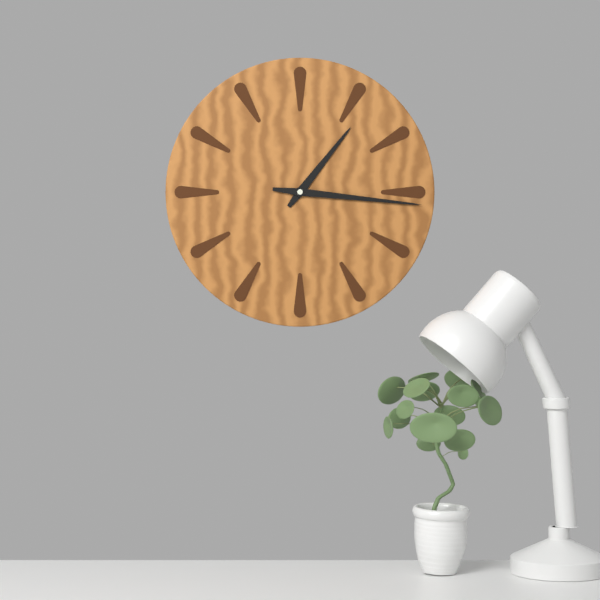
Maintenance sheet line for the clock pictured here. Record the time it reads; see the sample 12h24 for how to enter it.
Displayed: 1h16
